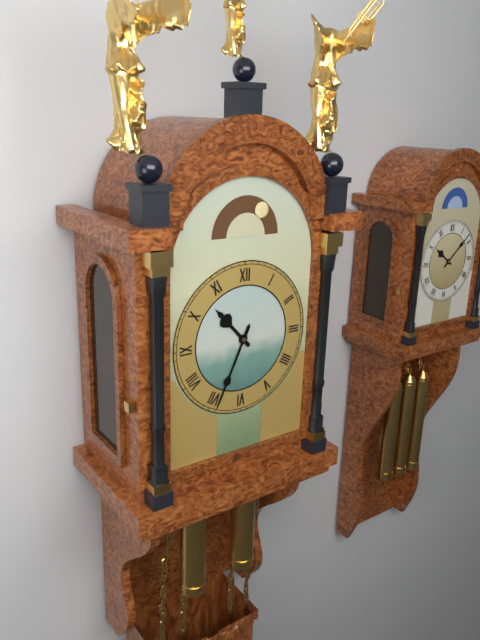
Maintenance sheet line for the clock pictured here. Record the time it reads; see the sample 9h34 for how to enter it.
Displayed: 10h34
